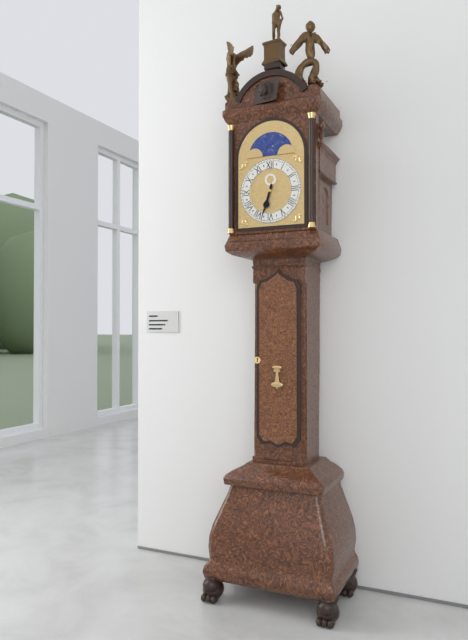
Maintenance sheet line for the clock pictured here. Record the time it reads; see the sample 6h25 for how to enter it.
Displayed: 6h33
